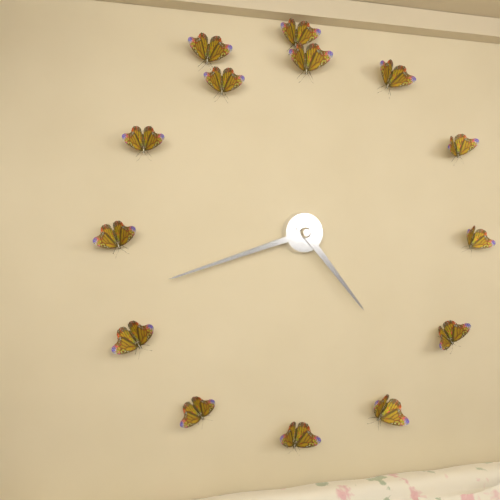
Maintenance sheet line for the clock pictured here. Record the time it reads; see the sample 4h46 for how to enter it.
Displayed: 4h42
